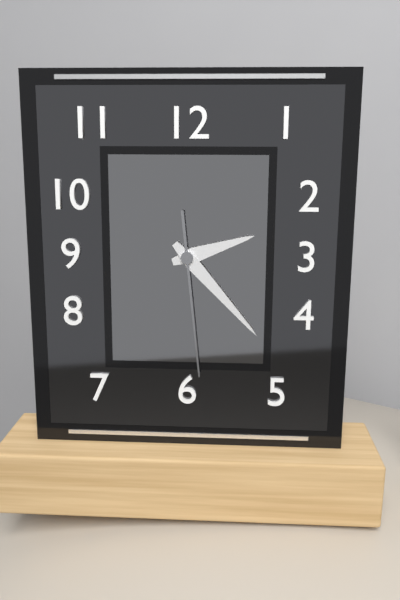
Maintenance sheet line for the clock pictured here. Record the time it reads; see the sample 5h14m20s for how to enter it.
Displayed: 2h23m29s
